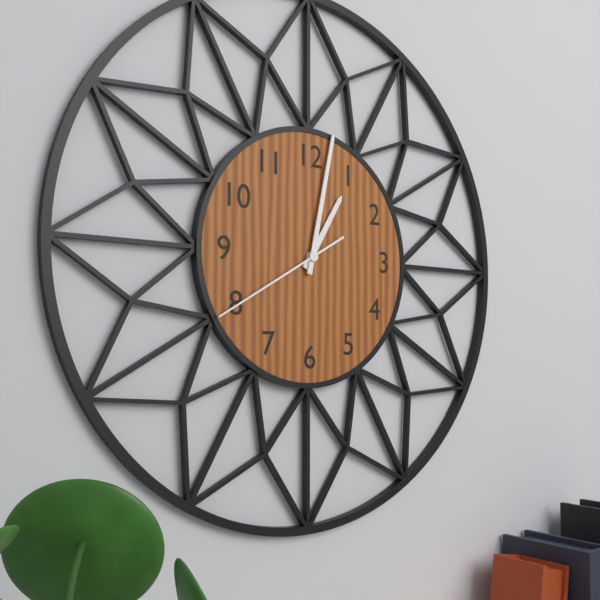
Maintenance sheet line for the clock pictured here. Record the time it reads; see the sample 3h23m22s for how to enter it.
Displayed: 1h02m40s
